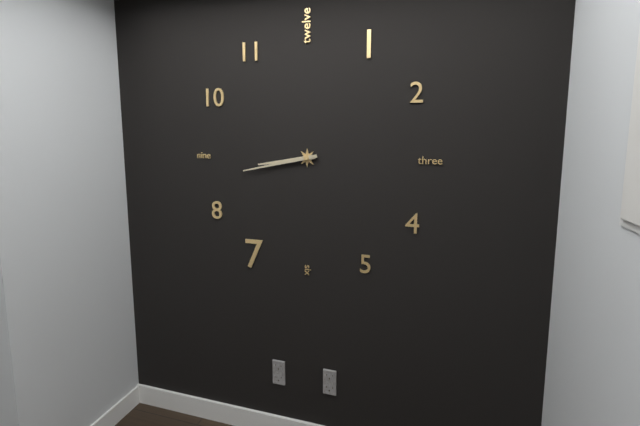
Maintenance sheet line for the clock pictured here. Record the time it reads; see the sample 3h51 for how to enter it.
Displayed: 8h43
